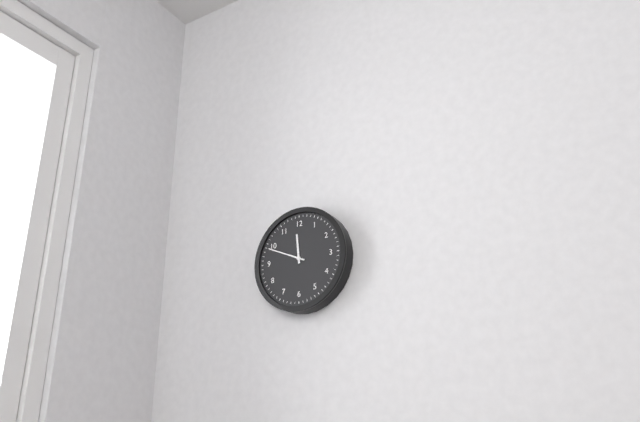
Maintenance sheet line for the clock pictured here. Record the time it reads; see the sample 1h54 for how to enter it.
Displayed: 11h49
